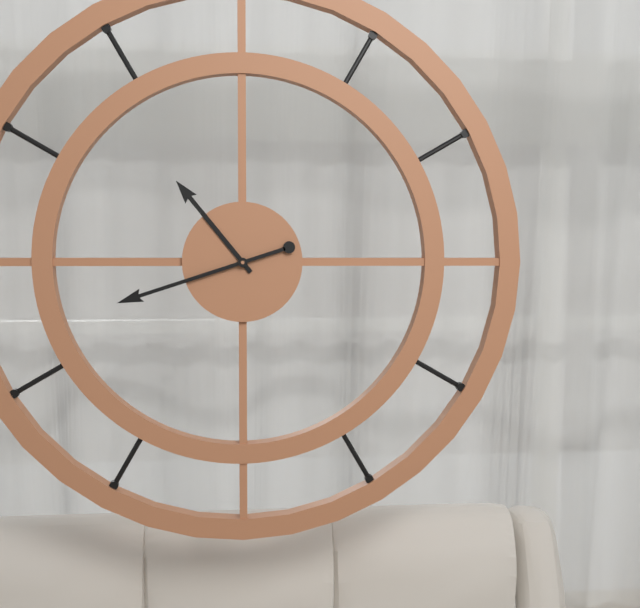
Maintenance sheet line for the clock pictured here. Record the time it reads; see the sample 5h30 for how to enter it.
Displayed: 10h42
